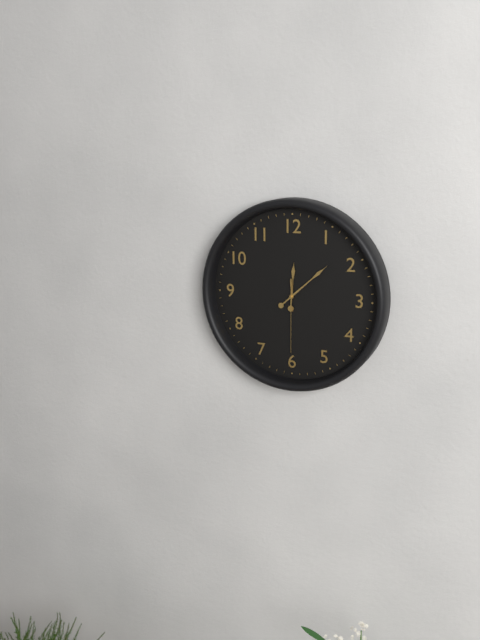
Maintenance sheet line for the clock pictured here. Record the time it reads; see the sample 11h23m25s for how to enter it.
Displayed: 12h08m30s
